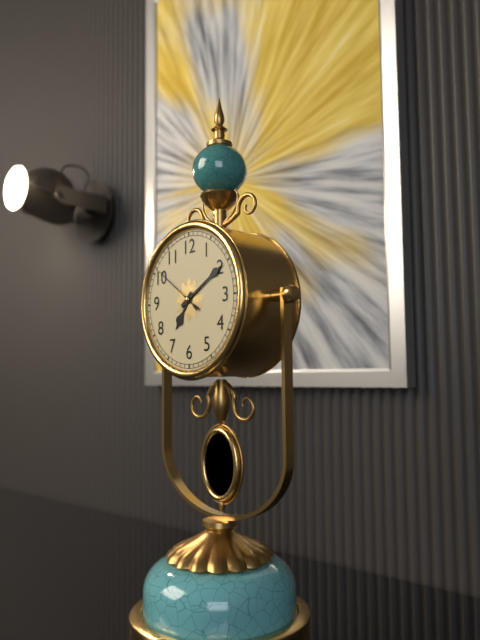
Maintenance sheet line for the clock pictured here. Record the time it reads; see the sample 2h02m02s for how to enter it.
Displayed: 7h10m51s
